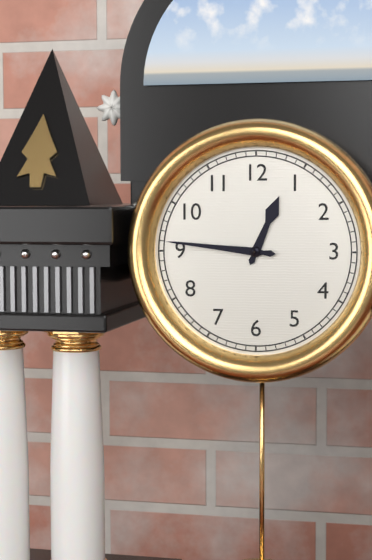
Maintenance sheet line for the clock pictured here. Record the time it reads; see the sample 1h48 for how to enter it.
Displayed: 12h46
